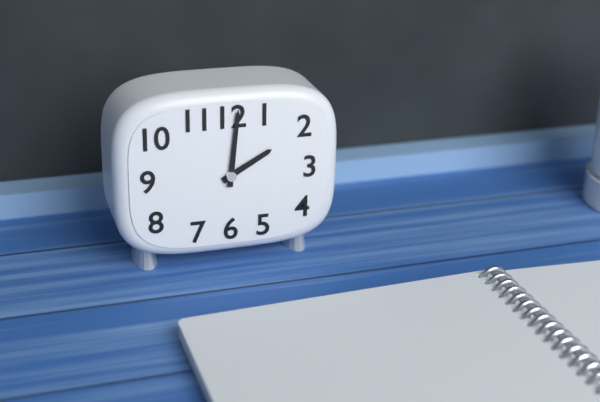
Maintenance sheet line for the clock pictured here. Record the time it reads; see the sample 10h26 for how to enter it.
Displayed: 2h01
